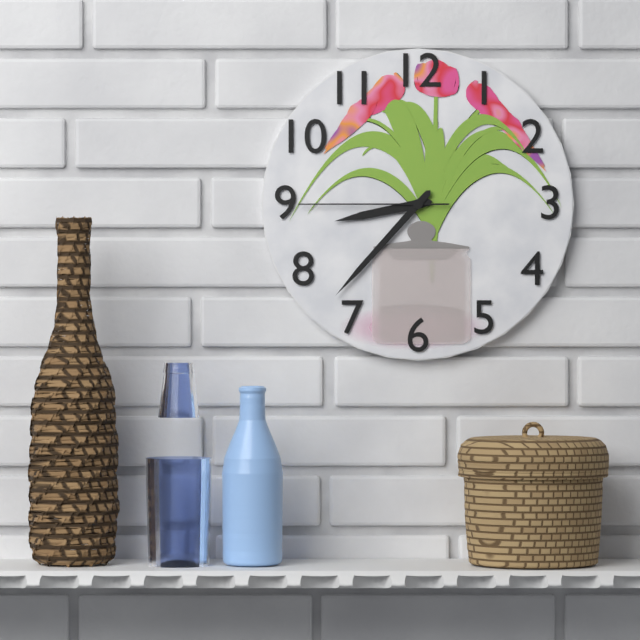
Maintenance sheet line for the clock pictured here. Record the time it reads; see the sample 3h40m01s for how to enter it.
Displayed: 8h37m45s
